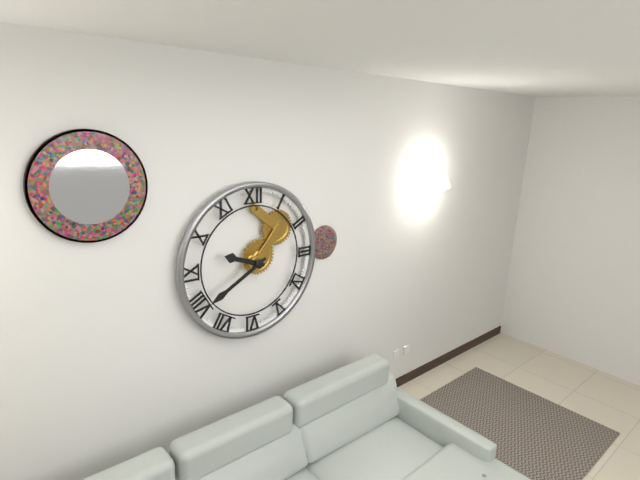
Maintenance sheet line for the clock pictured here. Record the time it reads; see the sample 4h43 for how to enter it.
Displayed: 9h40
